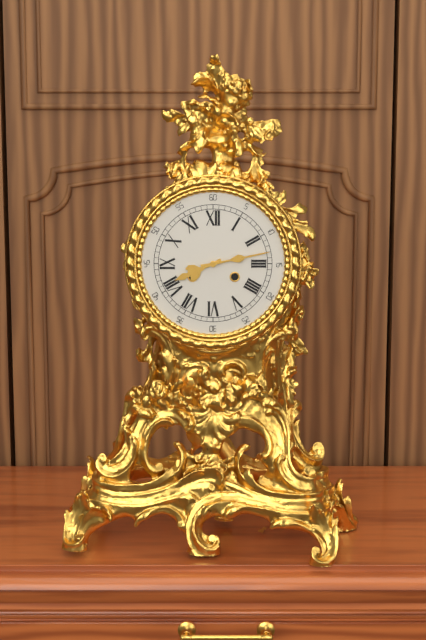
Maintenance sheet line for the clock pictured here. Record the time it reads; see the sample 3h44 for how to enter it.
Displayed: 8h13
